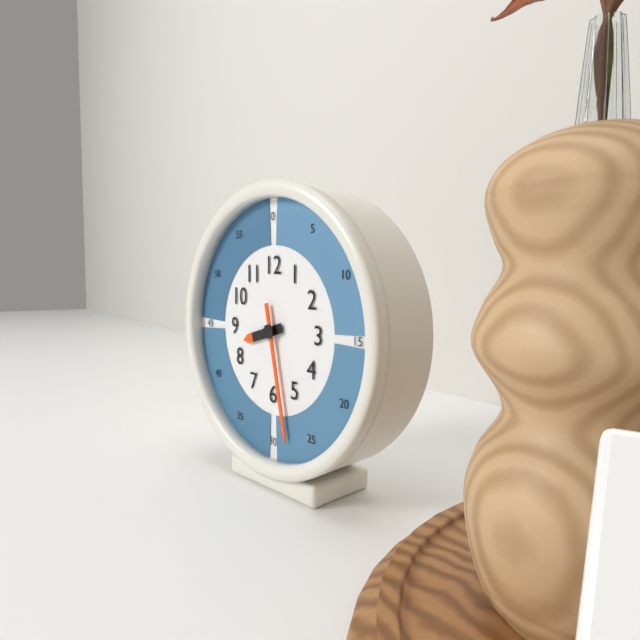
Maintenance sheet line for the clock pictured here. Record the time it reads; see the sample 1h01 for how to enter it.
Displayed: 8h28
